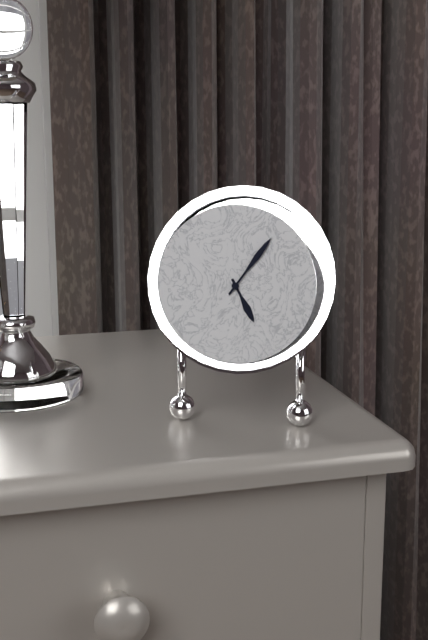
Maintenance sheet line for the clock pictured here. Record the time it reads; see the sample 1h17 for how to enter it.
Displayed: 5h06
